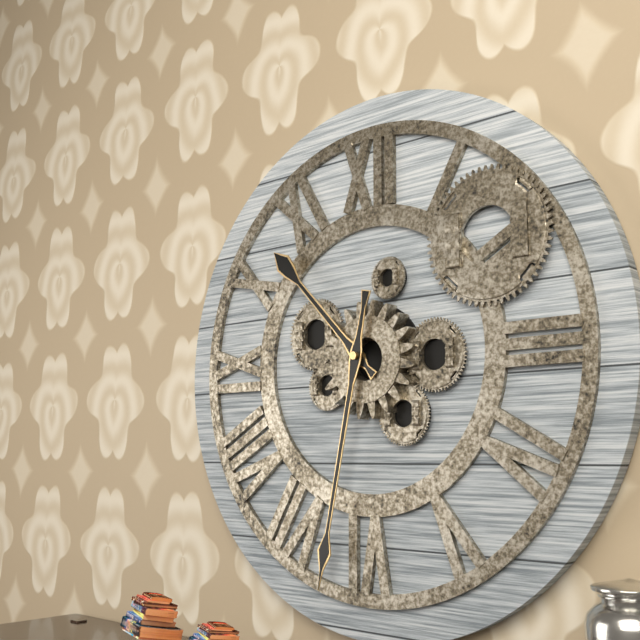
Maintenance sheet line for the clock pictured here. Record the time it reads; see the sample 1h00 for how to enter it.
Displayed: 10h32
